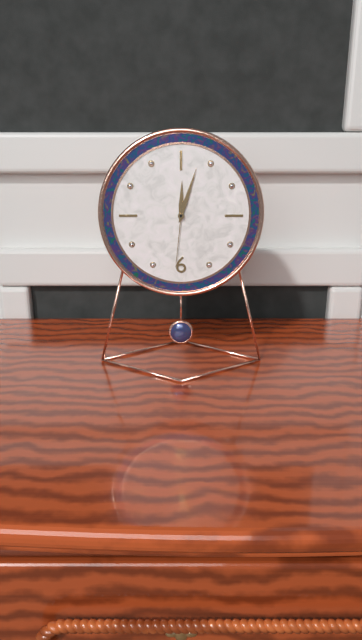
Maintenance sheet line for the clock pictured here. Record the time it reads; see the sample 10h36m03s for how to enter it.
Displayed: 12h03m31s
